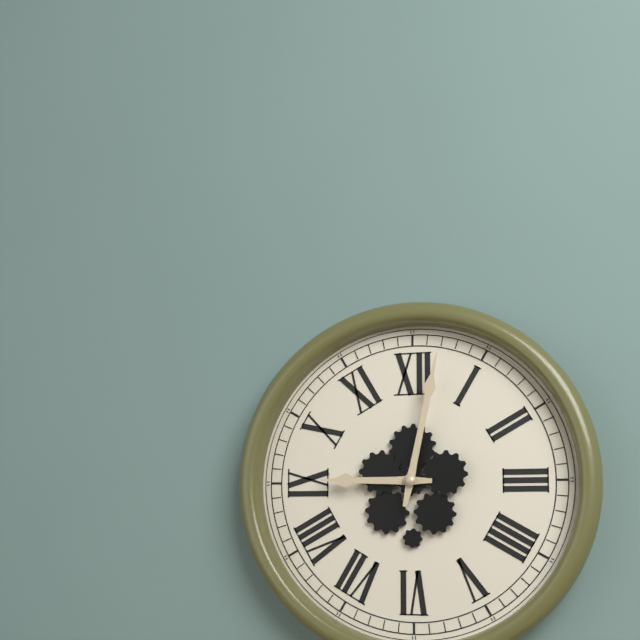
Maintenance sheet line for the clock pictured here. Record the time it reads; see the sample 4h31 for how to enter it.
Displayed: 9h02
